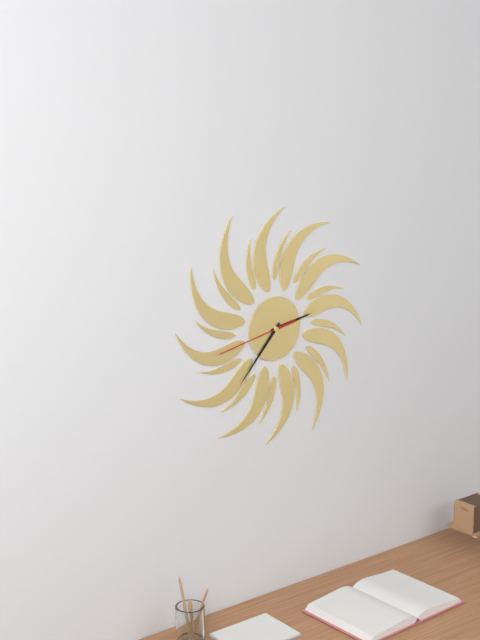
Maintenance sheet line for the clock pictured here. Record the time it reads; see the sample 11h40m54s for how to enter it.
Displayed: 2h37m43s
